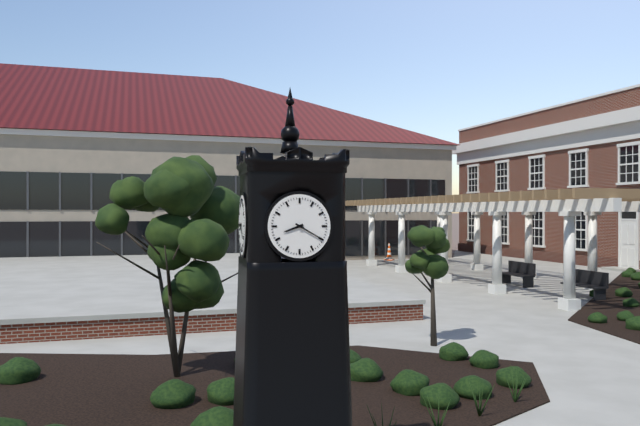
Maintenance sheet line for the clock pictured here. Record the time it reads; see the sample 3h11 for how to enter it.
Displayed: 8h20
